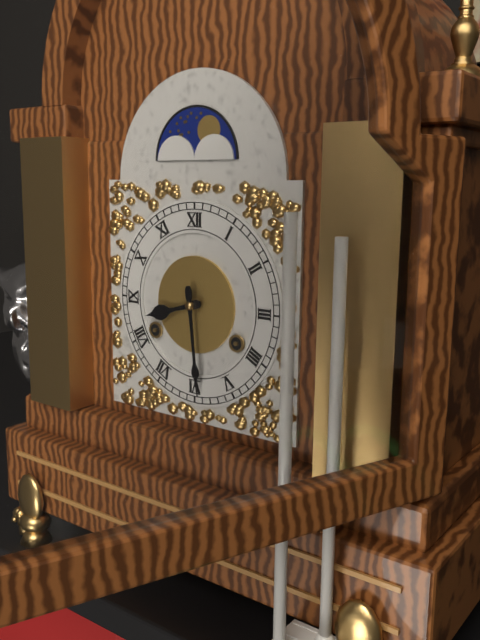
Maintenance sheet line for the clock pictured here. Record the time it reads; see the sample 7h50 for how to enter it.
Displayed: 8h29
